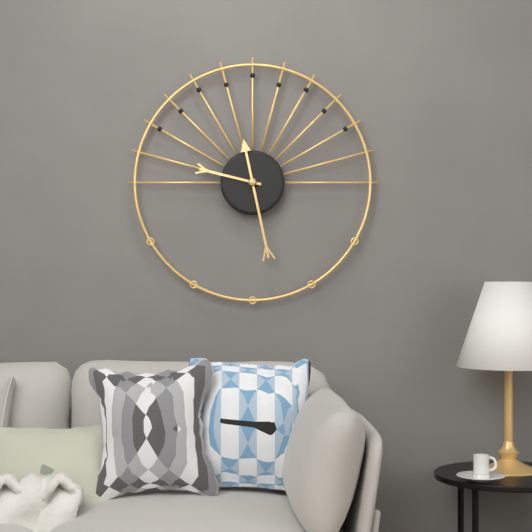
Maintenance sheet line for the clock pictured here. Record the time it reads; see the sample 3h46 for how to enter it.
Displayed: 9h28
